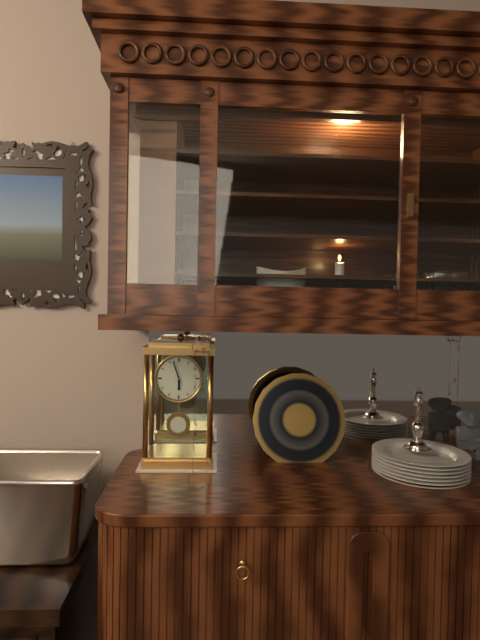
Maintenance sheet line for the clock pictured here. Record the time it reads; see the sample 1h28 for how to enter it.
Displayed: 5h57
